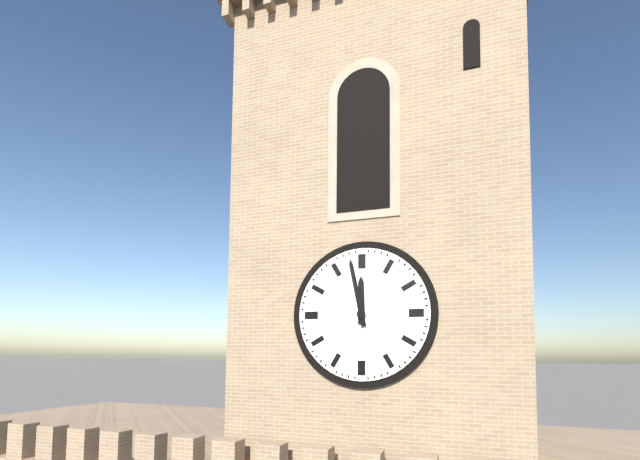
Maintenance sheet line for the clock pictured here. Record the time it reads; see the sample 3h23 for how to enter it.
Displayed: 11h58
